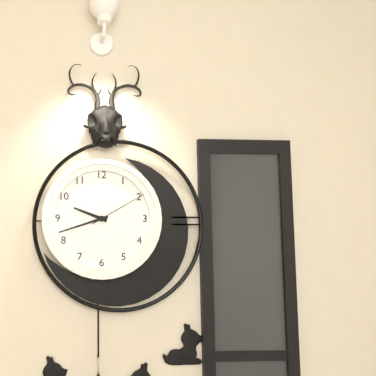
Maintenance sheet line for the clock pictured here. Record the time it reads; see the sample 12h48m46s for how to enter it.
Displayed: 9h42m10s
